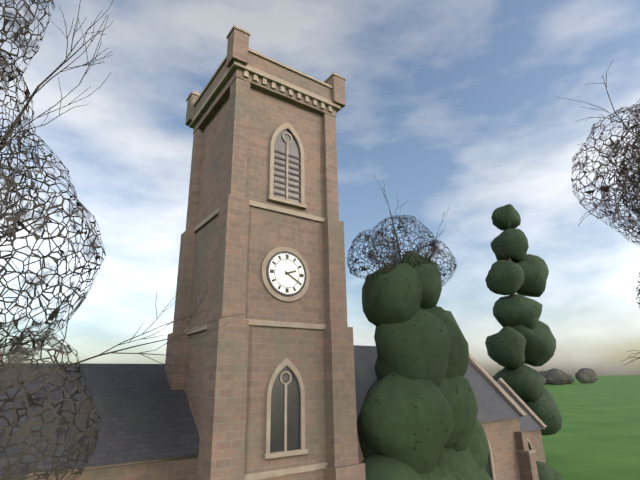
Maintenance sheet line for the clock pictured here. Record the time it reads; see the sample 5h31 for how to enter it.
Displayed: 2h20
